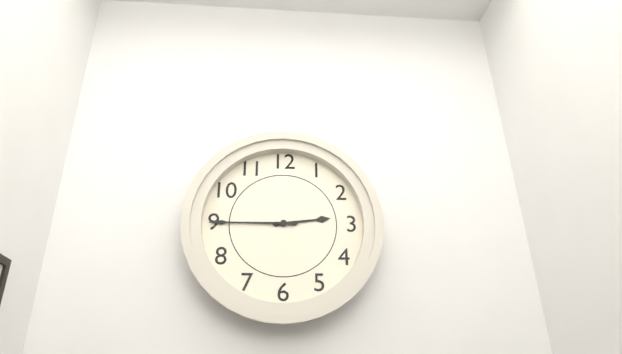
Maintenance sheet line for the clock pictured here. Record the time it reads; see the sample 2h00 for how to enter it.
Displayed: 2h45
